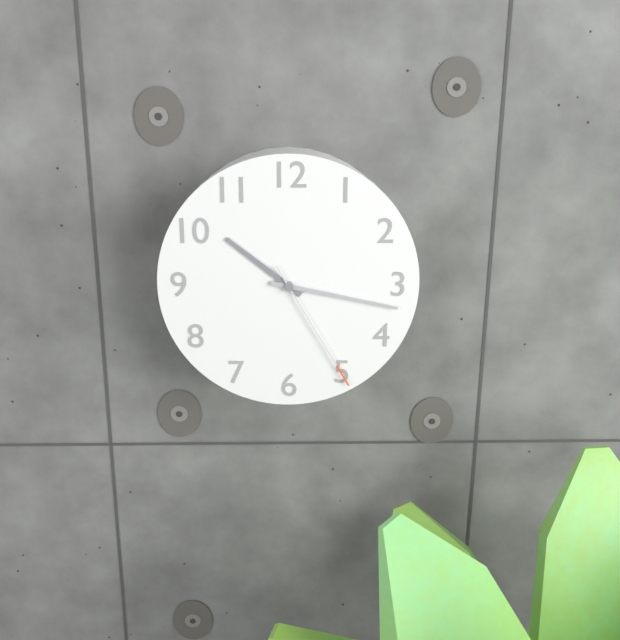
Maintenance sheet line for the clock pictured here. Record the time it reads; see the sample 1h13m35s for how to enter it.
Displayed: 10h17m25s
